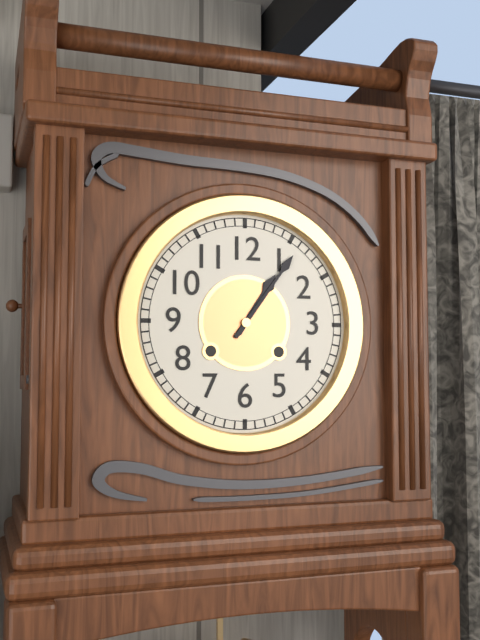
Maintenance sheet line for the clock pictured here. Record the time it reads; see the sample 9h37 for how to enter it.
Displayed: 1h06
